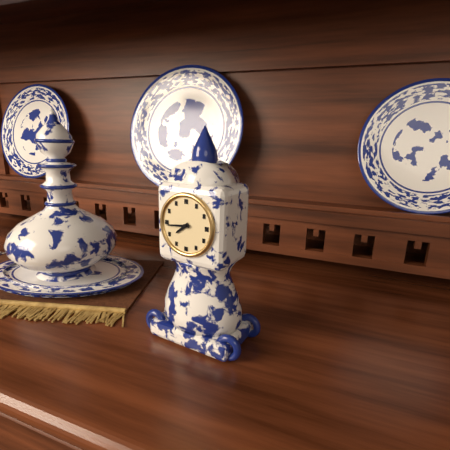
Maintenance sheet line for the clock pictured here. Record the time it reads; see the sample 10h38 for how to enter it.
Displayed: 7h44
